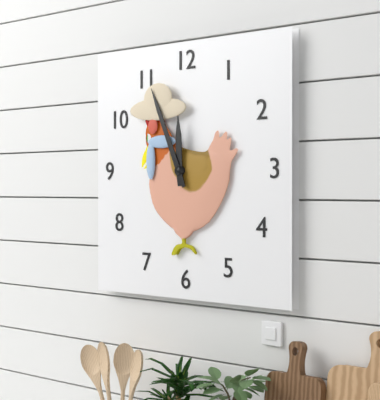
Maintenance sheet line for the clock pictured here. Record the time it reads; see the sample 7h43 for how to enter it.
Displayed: 11h56
